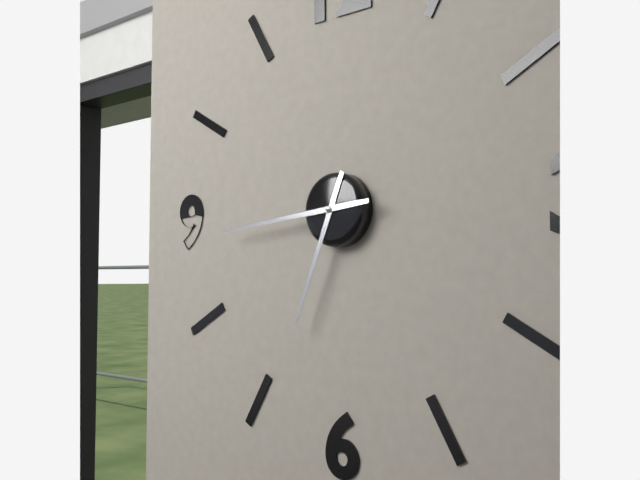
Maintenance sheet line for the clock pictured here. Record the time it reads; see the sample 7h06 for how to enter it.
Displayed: 6h44
